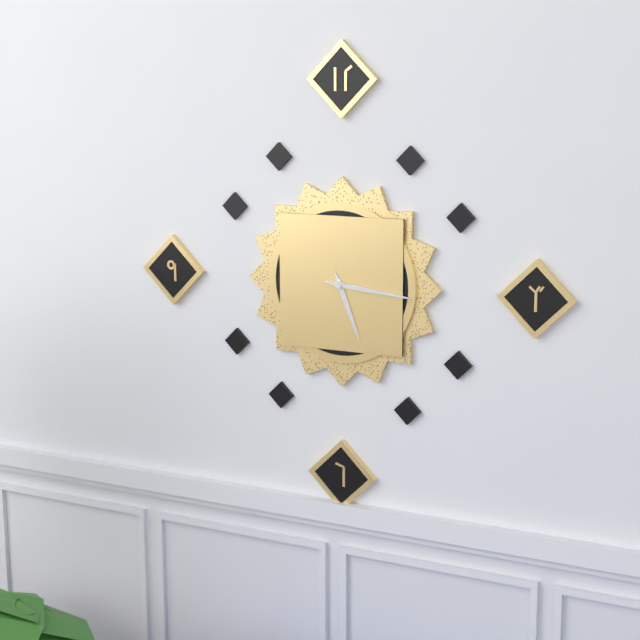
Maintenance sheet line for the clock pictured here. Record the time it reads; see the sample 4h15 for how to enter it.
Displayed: 5h16
